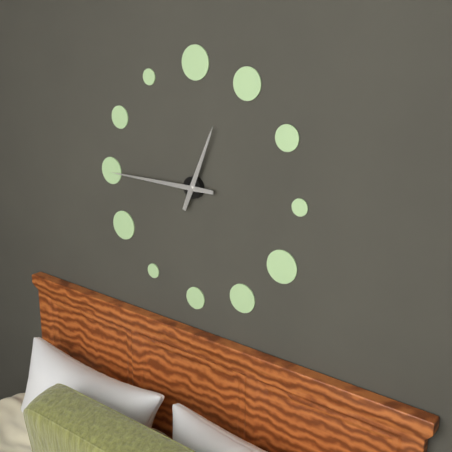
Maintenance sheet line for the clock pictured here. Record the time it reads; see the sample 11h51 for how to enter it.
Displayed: 12h45
